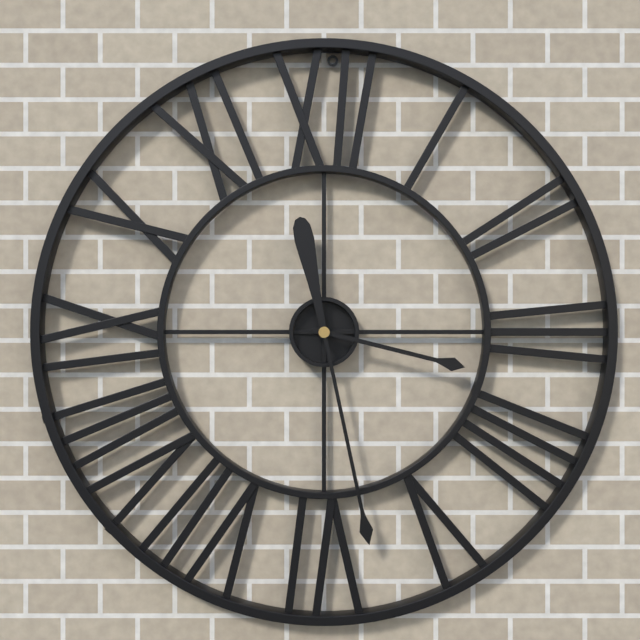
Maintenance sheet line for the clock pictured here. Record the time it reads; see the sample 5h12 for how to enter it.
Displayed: 3h28
